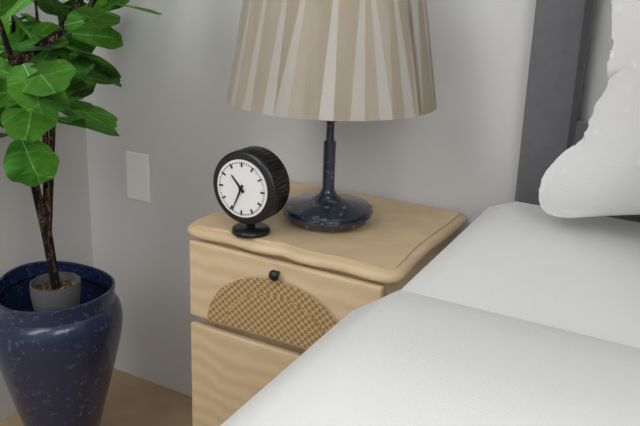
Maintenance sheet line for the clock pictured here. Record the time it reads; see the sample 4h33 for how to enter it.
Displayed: 10h34
